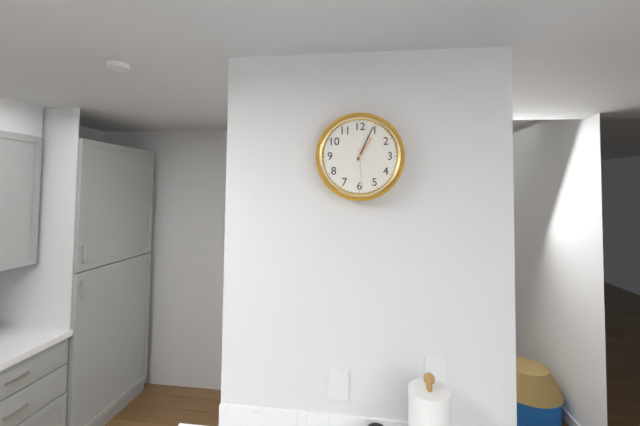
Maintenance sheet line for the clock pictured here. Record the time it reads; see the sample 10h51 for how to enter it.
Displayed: 1h04
